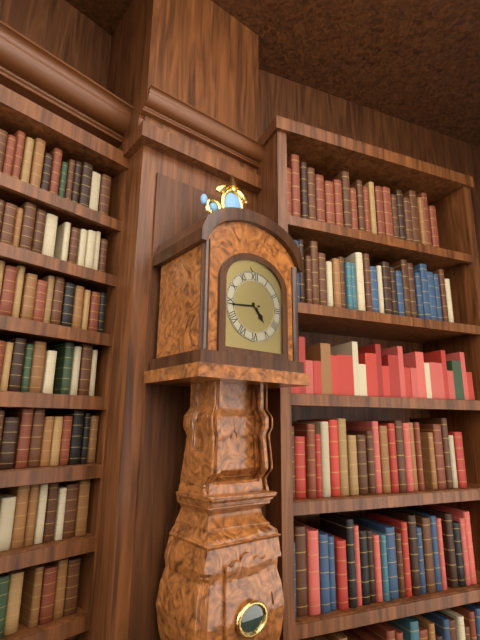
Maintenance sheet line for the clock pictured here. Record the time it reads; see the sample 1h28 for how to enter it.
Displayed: 4h44
